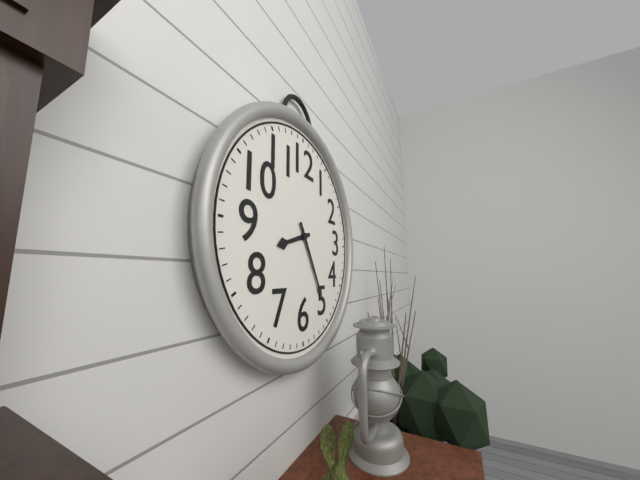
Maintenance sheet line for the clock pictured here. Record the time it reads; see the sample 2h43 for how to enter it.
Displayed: 8h25
